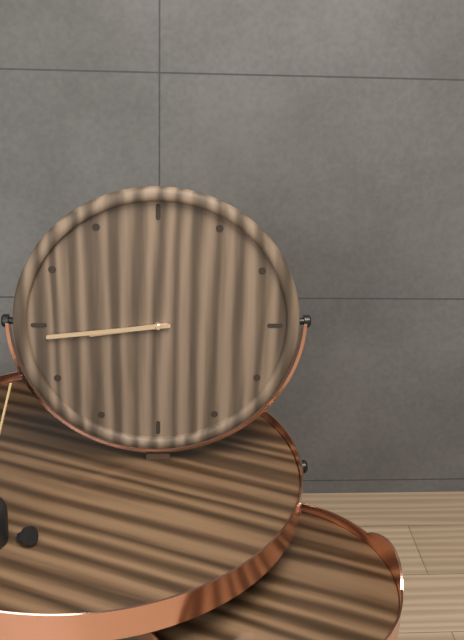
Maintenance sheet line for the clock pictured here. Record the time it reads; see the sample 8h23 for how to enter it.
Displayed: 8h44
